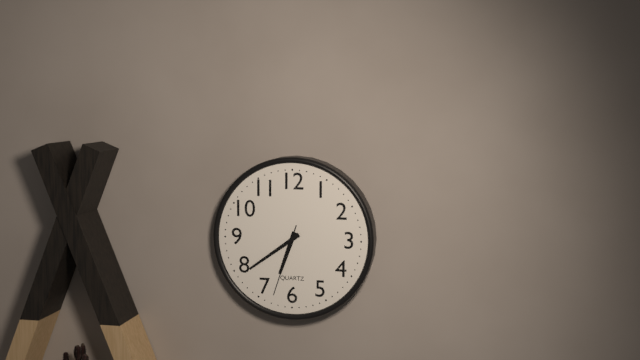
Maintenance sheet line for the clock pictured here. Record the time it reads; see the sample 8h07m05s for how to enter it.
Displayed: 6h39m33s
